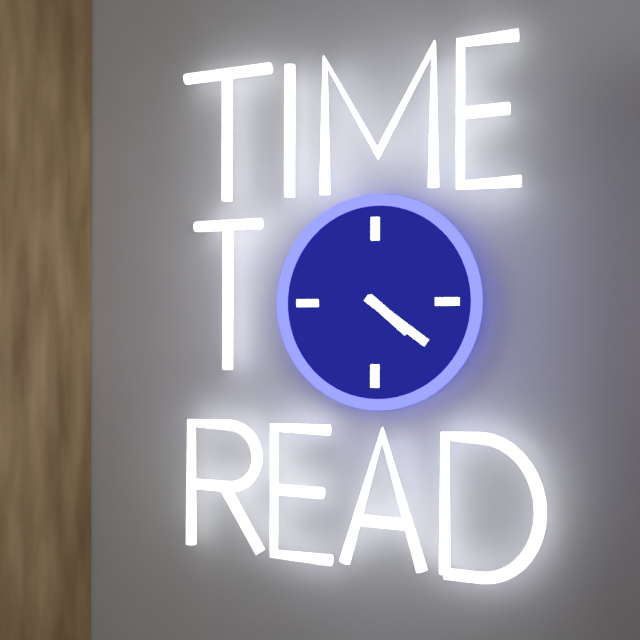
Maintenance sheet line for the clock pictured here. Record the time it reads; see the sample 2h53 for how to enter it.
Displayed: 4h21
